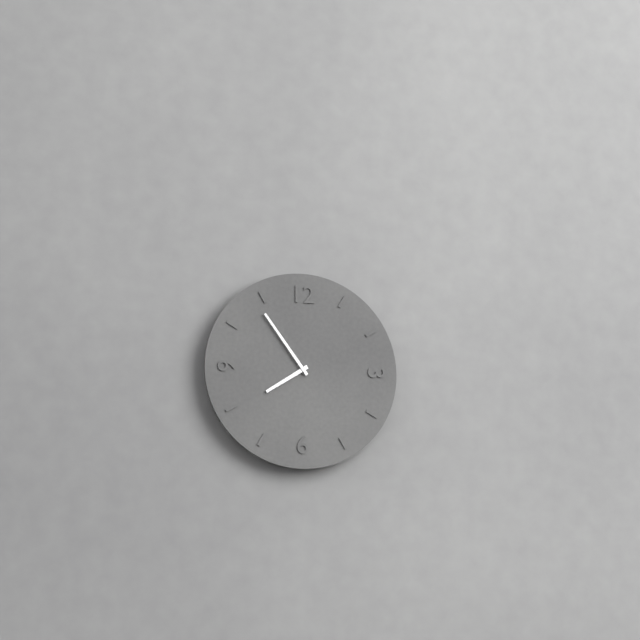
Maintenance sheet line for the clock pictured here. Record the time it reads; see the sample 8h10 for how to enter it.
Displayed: 7h54
